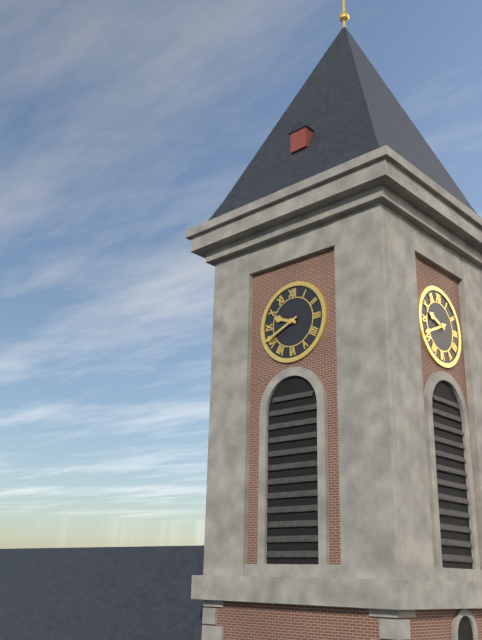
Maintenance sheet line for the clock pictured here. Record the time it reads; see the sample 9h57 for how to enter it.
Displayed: 9h41
